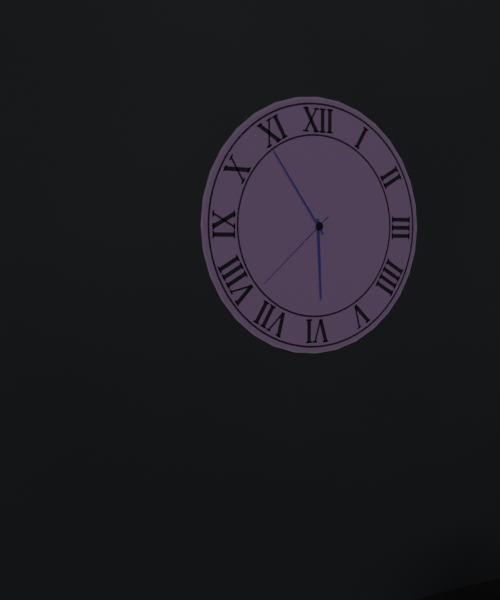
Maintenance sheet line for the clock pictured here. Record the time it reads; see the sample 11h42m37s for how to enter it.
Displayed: 5h54m38s
